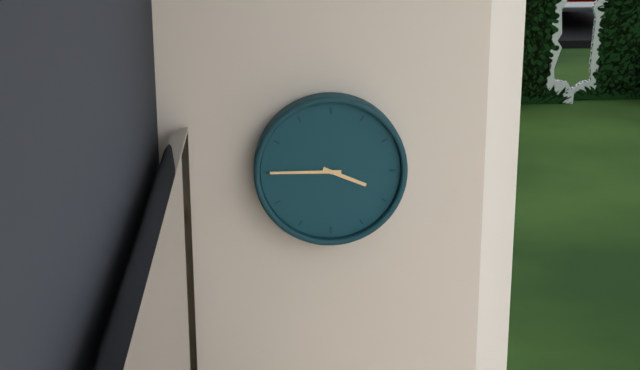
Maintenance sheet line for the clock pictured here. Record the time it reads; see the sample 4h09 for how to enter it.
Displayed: 3h45
